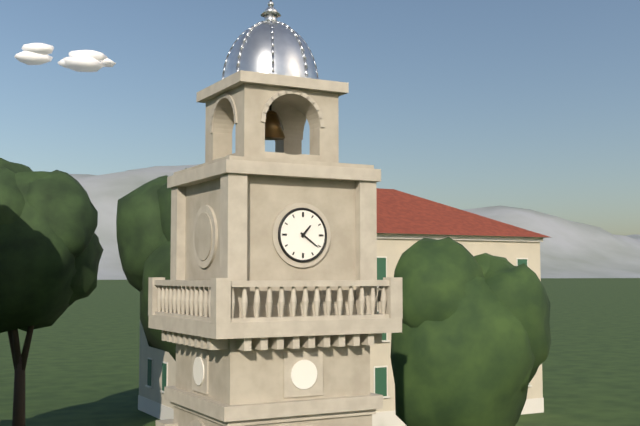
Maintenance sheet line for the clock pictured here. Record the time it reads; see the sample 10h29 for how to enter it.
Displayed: 1h21
